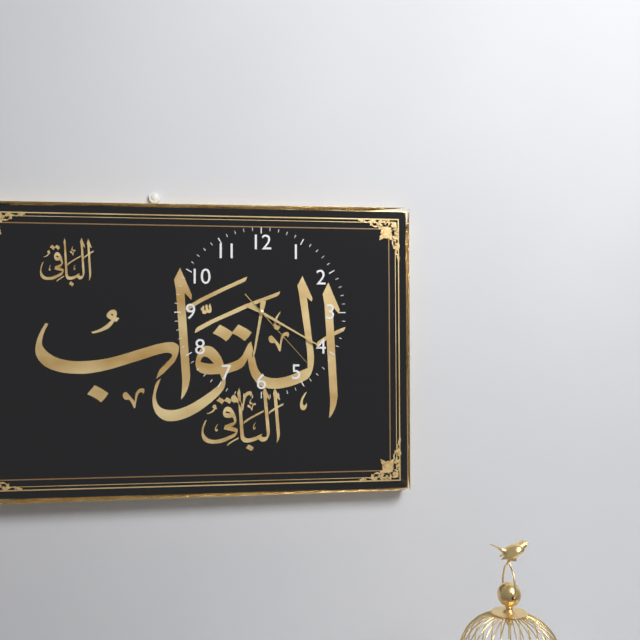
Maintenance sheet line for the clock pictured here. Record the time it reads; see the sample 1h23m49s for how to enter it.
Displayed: 6h20m23s
